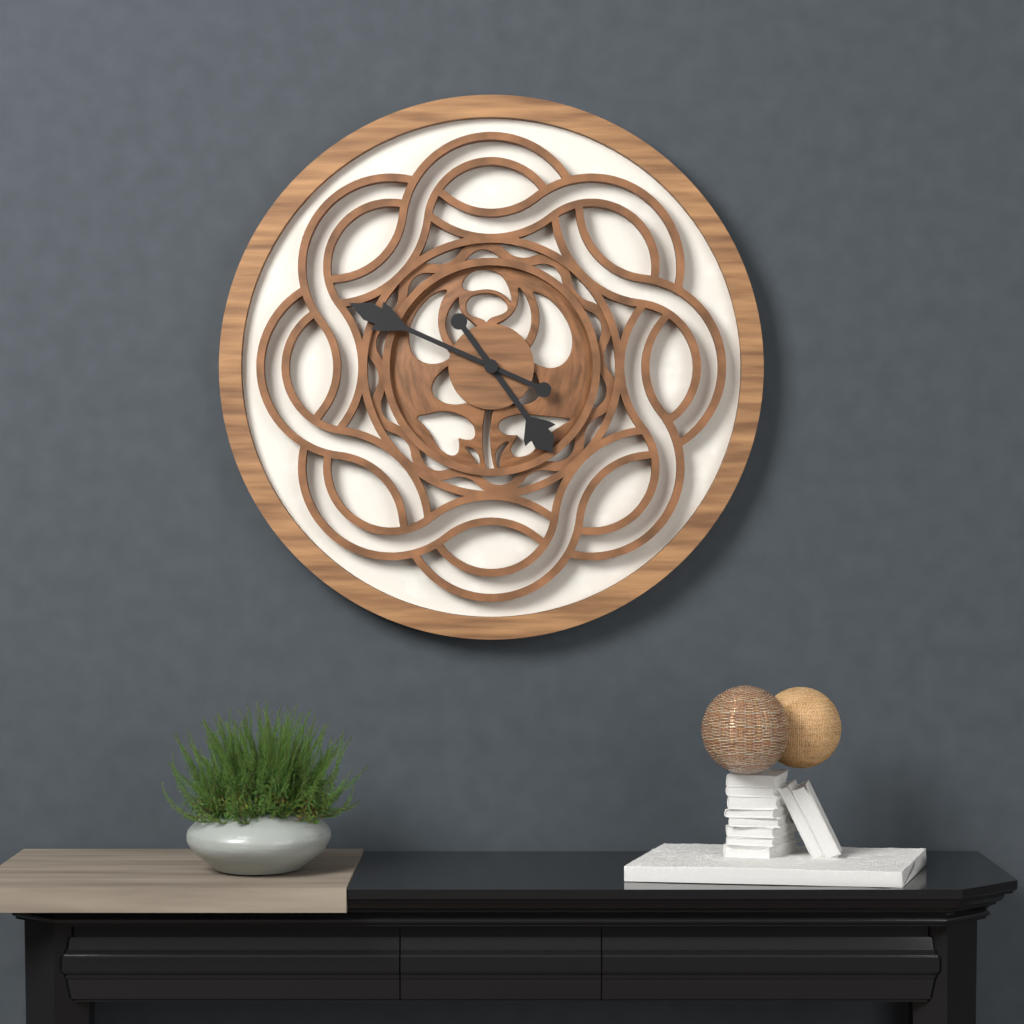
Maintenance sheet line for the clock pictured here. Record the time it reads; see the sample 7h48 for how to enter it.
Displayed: 4h49
